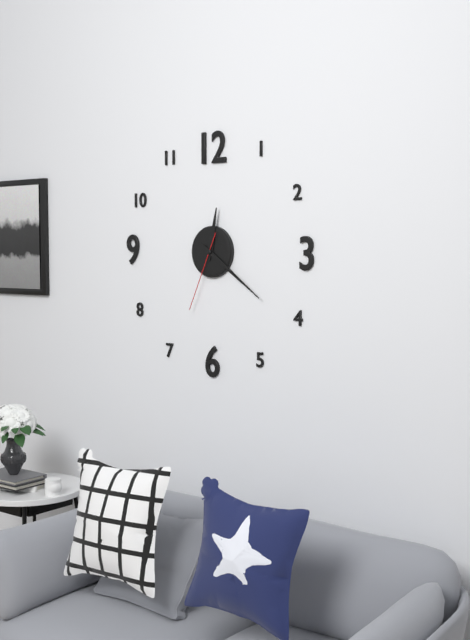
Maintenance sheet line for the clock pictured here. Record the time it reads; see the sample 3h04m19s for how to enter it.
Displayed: 12h21m34s
